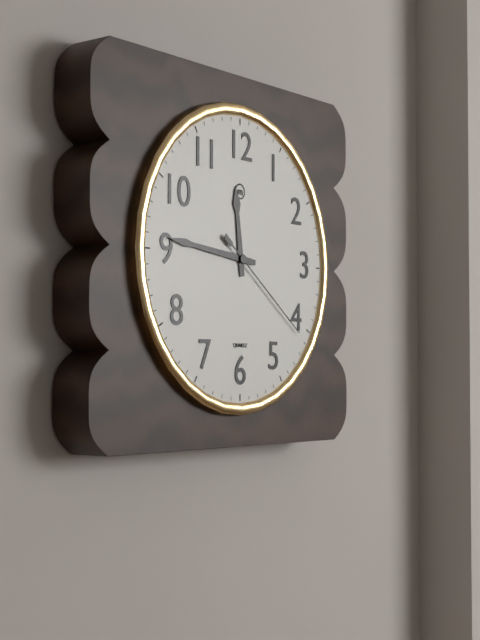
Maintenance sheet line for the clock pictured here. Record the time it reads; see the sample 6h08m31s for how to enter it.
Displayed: 11h46m21s
